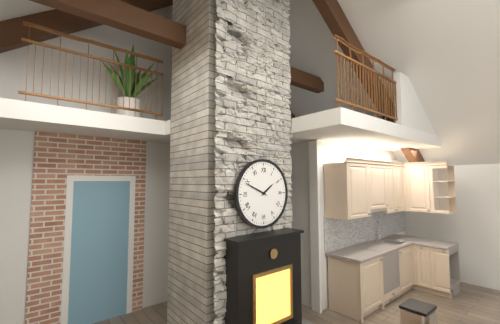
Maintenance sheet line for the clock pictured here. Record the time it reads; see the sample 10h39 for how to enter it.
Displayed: 1h49
